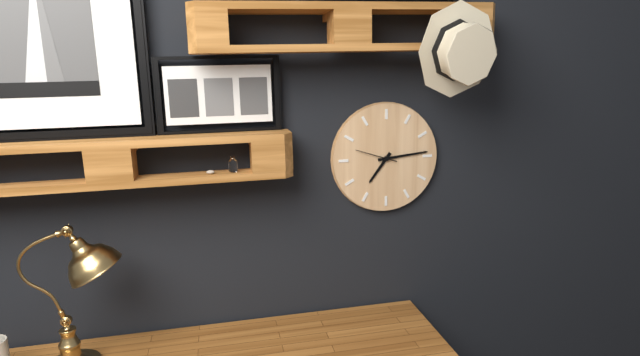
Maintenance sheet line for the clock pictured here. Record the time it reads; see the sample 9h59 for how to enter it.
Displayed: 7h14
